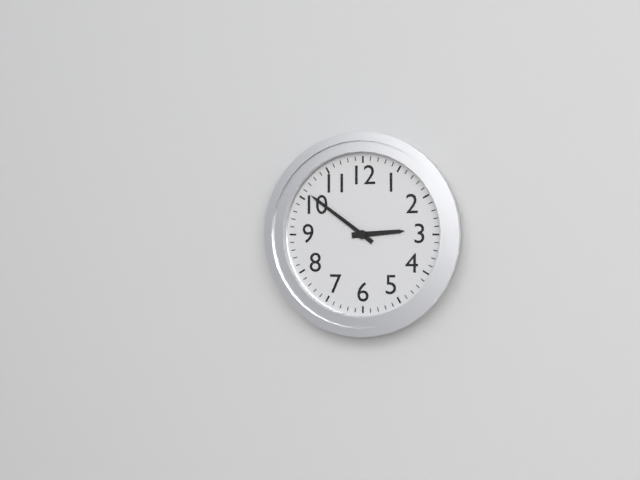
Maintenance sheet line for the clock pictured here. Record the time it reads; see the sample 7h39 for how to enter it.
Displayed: 2h51
